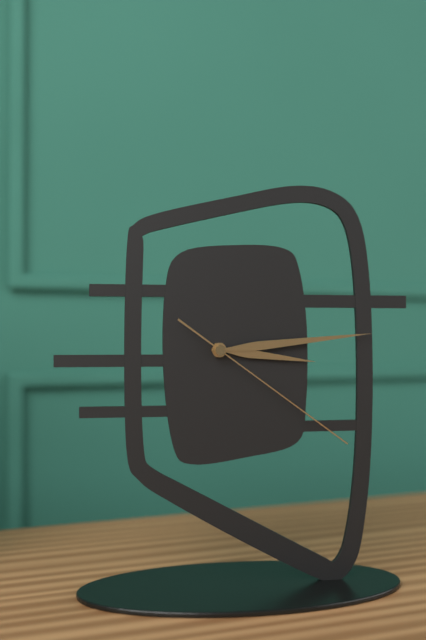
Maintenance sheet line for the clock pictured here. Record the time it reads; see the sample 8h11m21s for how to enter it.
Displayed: 3h14m21s
